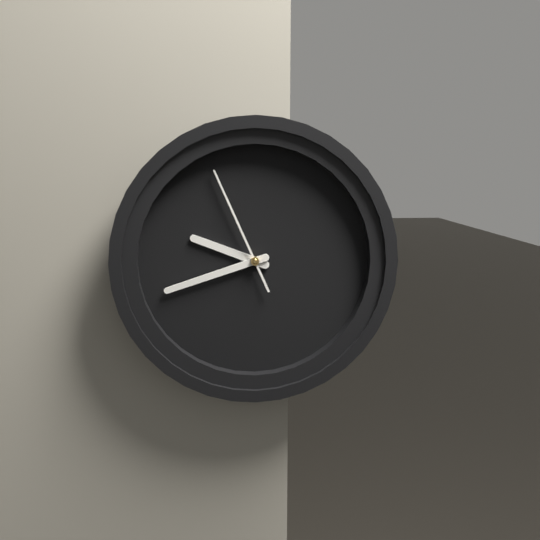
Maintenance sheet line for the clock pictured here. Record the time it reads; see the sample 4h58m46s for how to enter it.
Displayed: 9h42m56s
